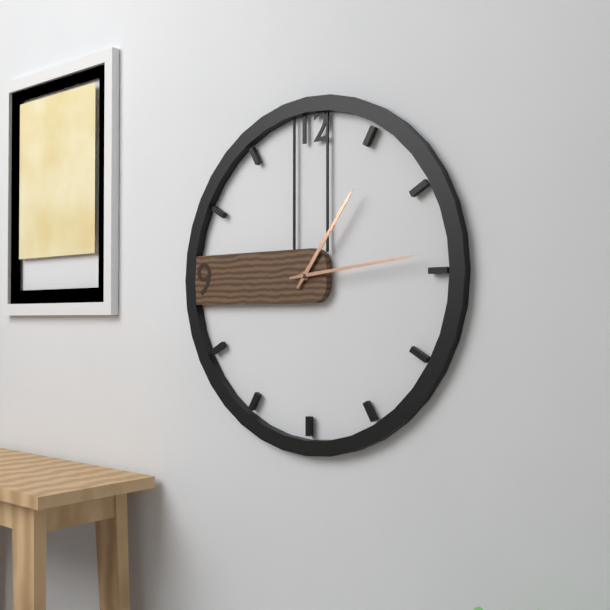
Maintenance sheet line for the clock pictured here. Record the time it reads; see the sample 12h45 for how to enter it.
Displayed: 1h14
